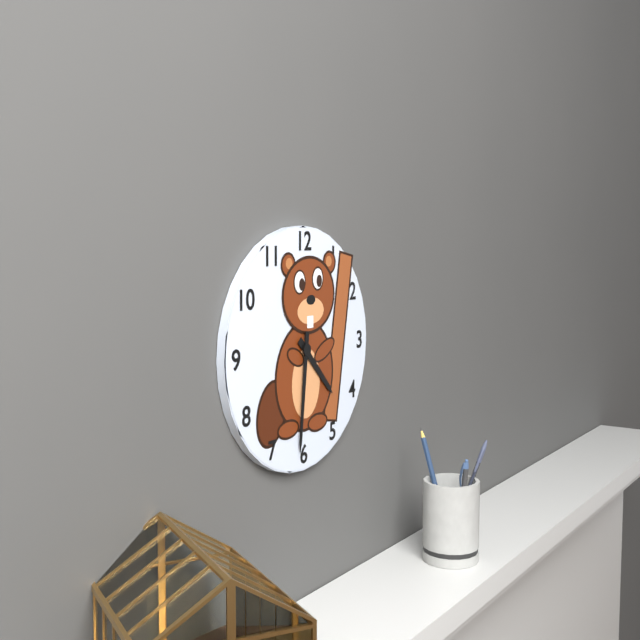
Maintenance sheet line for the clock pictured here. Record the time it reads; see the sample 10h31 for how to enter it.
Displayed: 4h31
